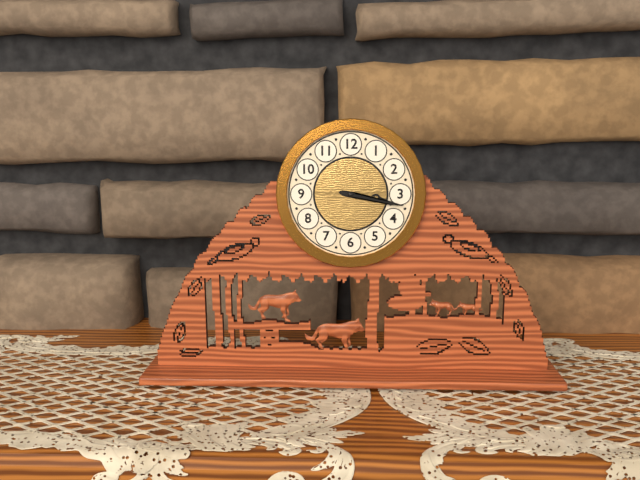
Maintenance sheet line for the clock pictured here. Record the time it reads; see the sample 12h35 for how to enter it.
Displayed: 3h17
